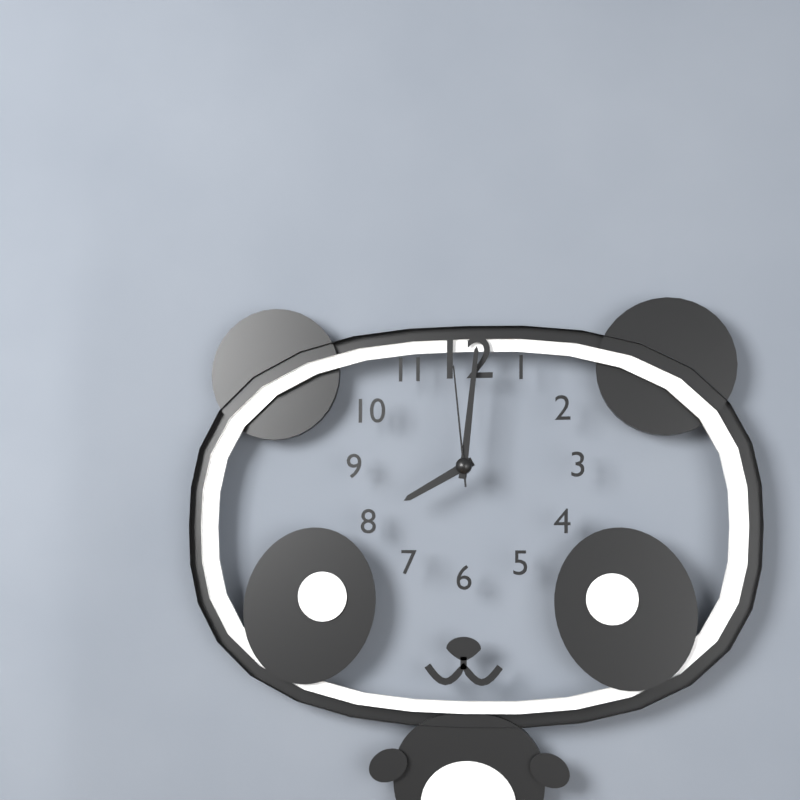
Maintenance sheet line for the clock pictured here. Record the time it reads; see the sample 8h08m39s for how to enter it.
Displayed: 8h01m59s
